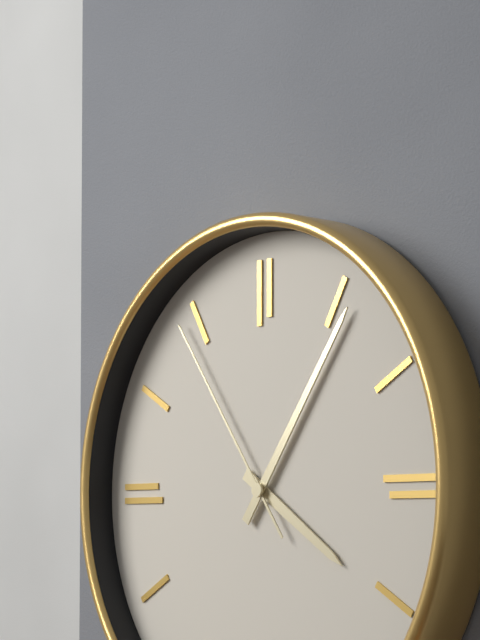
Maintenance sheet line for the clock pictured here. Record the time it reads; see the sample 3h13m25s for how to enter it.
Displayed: 4h06m54s
